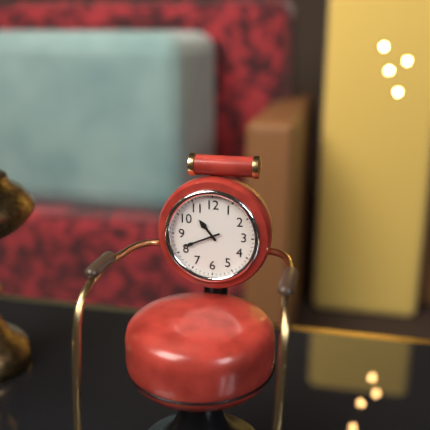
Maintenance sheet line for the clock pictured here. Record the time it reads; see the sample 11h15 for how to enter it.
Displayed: 10h41
